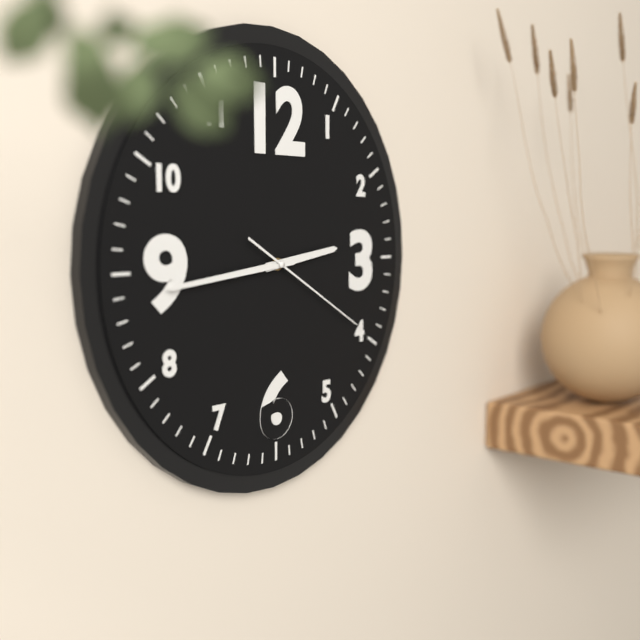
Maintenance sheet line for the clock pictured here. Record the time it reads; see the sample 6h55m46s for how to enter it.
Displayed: 2h44m20s
